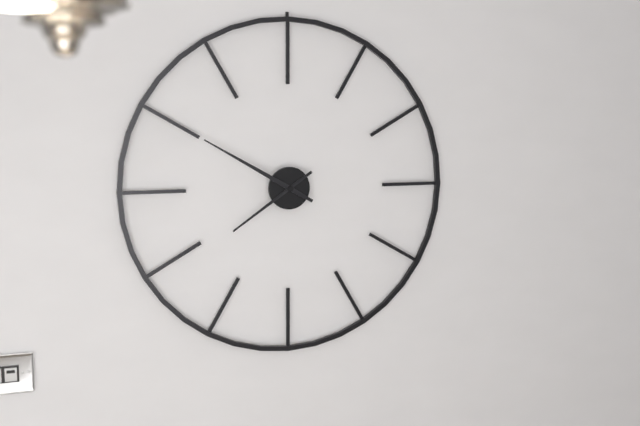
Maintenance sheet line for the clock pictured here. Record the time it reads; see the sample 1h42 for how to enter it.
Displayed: 7h50
